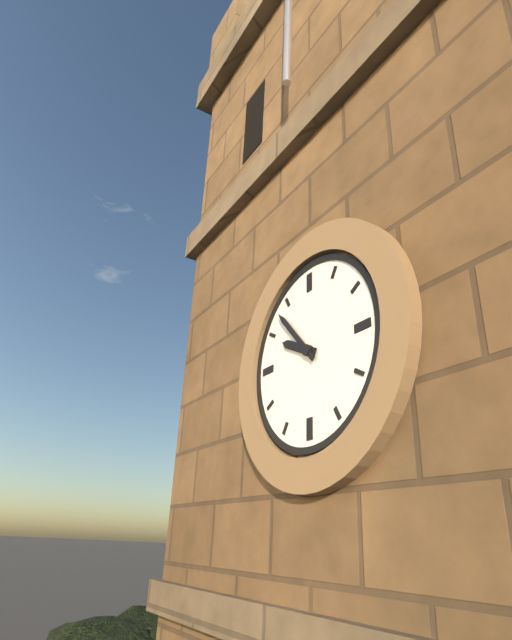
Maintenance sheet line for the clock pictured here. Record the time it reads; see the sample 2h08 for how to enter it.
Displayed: 9h53
